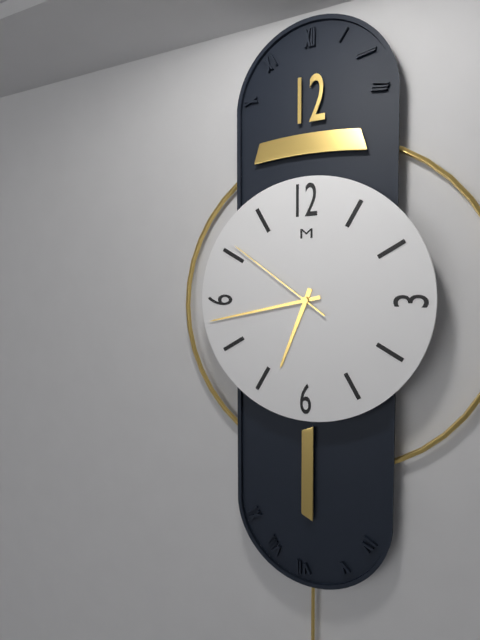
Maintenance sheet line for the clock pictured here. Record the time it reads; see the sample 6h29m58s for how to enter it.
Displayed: 6h43m51s
